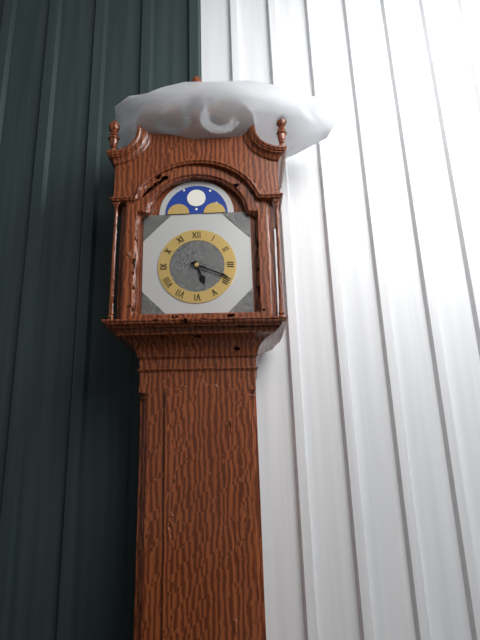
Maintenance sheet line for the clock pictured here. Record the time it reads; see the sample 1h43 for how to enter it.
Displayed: 5h19
